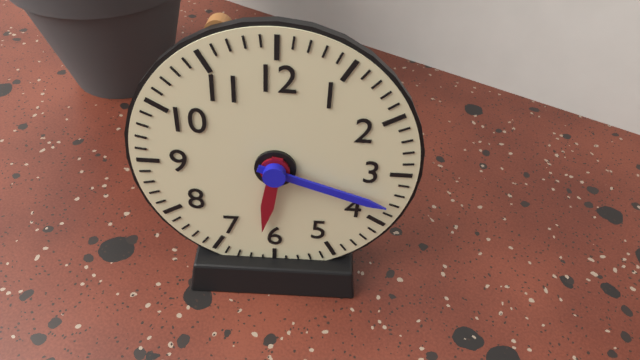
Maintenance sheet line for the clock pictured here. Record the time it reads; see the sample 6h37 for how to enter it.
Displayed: 6h18
